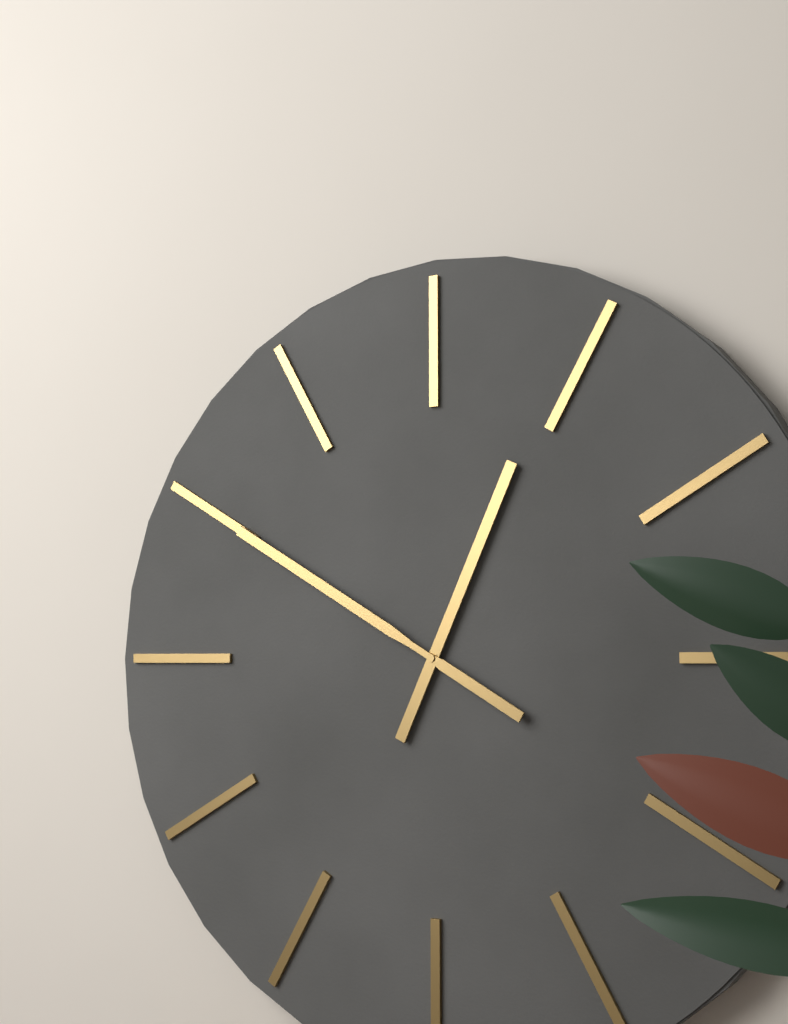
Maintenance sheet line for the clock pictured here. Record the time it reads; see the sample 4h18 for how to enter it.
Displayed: 12h50
